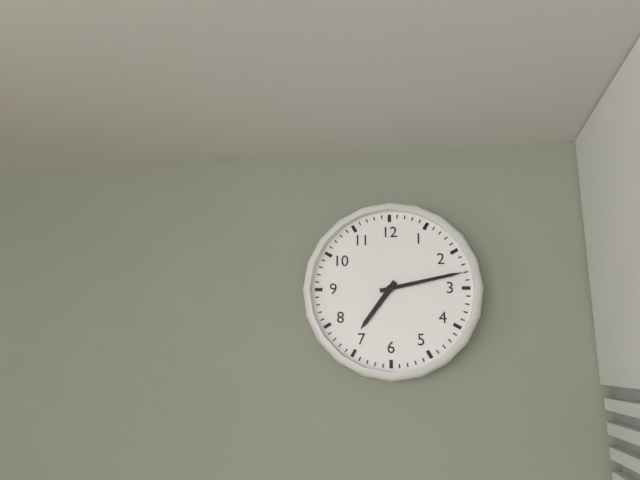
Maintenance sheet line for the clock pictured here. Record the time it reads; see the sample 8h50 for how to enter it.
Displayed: 7h13
